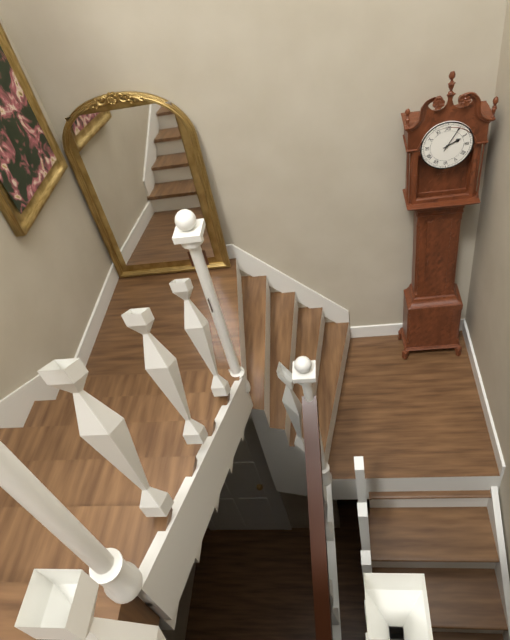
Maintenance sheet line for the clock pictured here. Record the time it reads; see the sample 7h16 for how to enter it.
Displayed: 2h05
